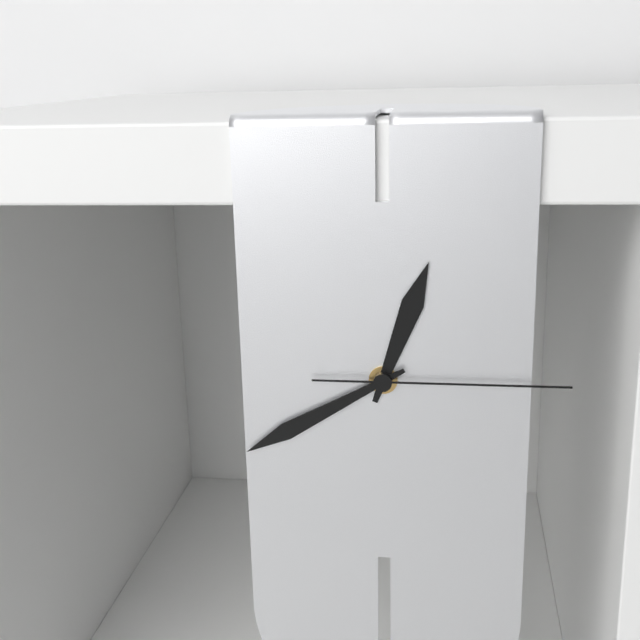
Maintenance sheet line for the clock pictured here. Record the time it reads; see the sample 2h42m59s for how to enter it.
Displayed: 12h40m15s
